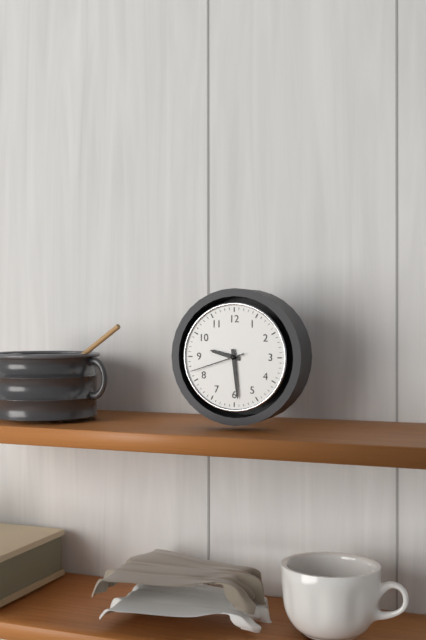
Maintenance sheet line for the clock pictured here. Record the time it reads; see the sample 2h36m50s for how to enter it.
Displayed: 9h29m42s
